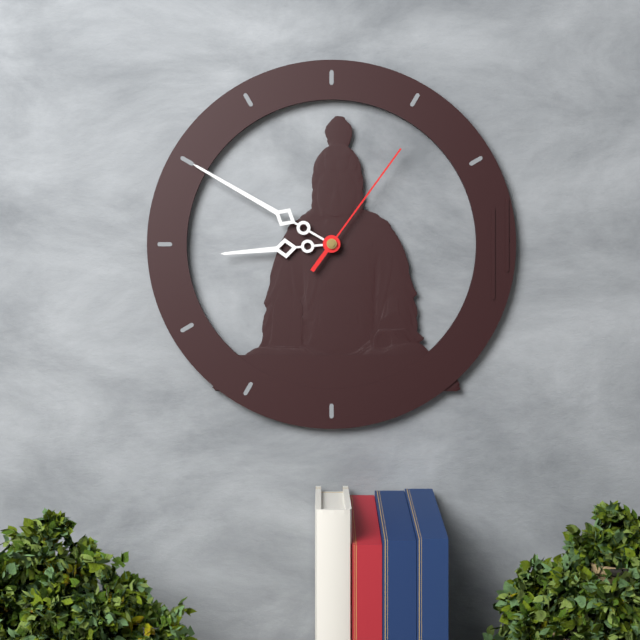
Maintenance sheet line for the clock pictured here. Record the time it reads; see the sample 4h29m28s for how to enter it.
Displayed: 8h50m06s
